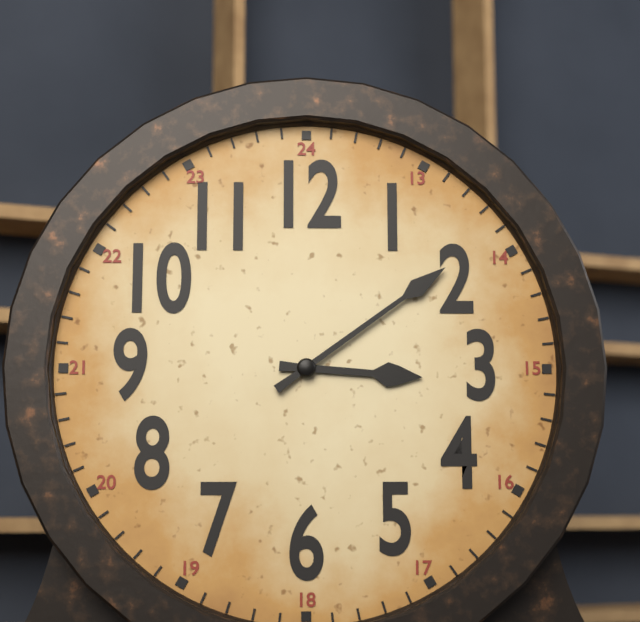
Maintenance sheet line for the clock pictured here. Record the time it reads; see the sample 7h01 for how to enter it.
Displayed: 3h09
